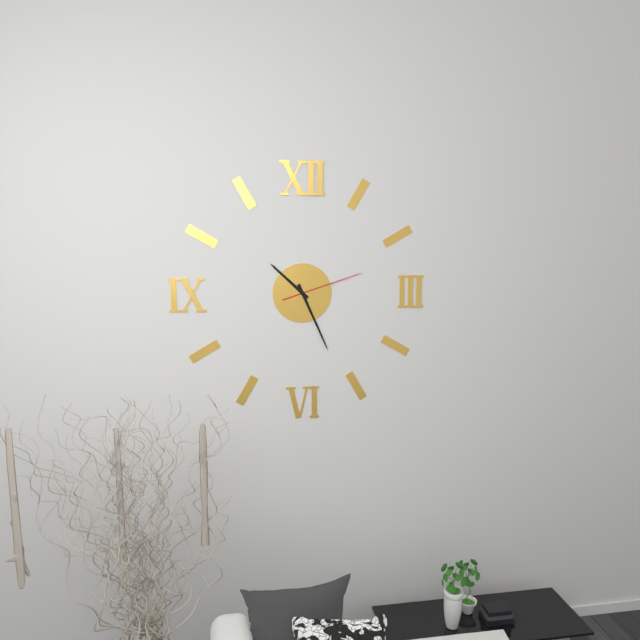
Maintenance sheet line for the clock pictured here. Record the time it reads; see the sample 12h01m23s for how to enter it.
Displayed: 10h26m12s
